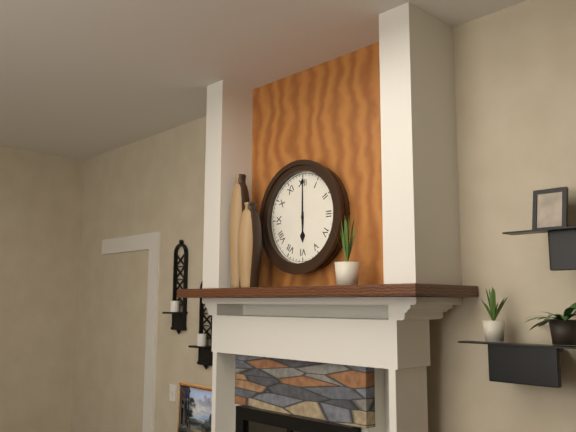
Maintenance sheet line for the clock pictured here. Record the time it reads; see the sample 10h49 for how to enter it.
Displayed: 6h00
